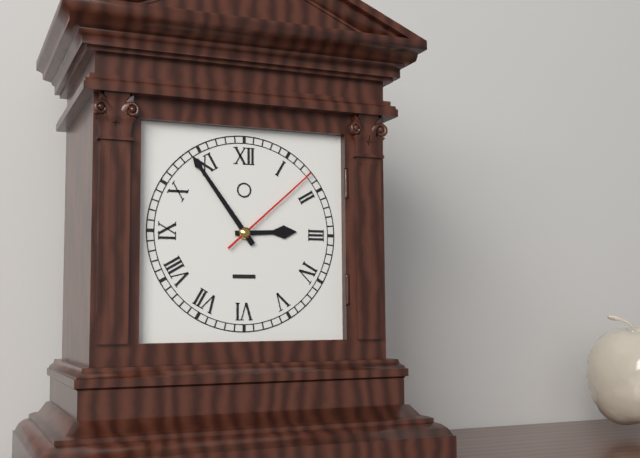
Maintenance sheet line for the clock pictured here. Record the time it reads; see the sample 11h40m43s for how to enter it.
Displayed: 2h54m08s
